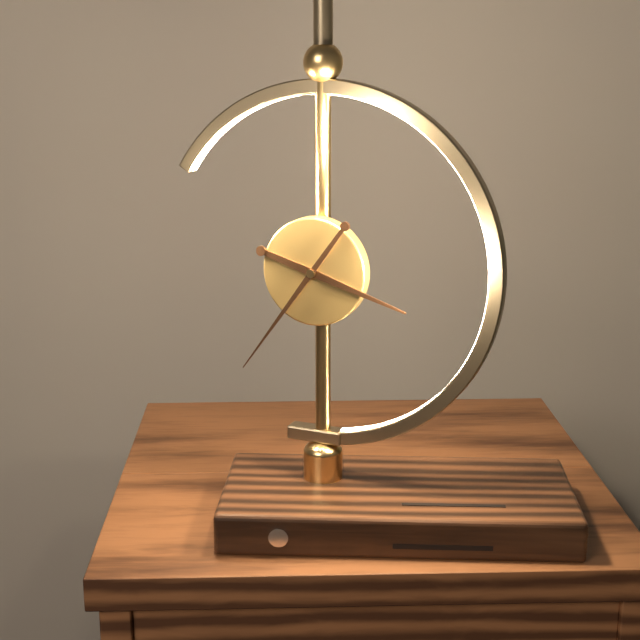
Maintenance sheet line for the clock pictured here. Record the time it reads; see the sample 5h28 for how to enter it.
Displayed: 3h36
